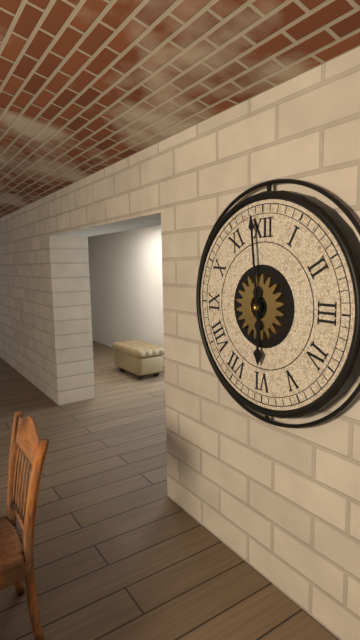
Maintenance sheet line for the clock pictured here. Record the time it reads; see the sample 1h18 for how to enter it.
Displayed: 5h59
